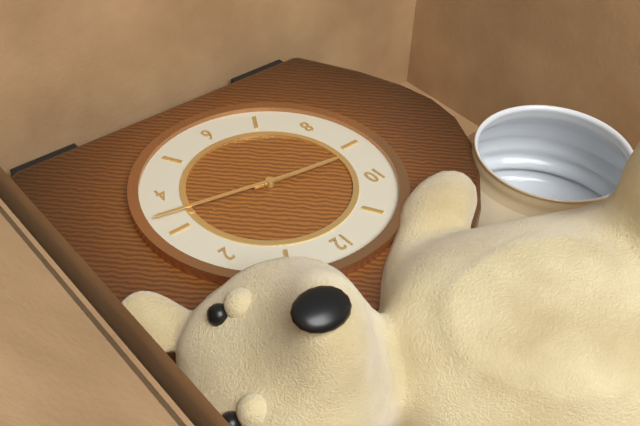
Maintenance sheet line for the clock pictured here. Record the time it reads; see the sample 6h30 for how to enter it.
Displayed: 9h17
